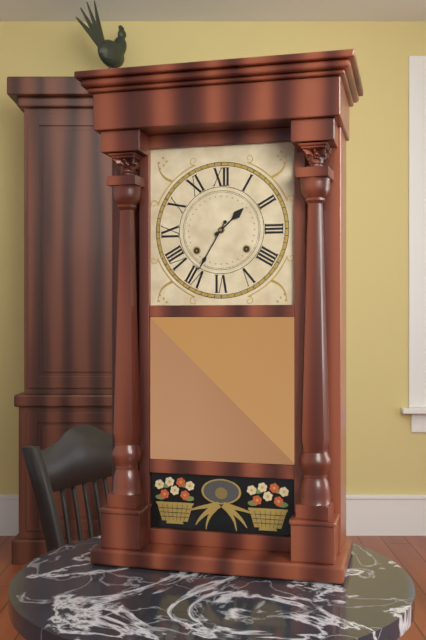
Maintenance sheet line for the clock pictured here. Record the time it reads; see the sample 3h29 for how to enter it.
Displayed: 1h35
